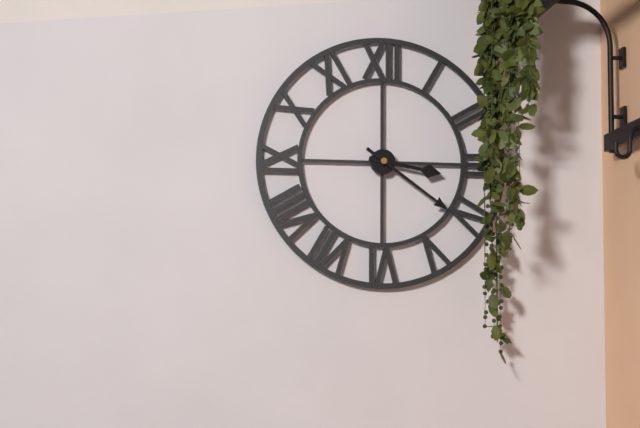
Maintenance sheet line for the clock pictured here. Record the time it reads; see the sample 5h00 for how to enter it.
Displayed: 3h21
